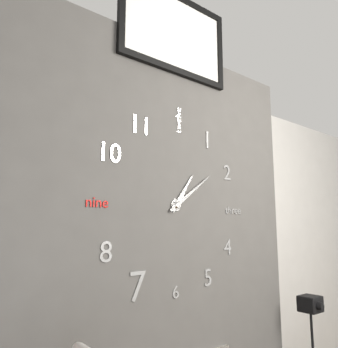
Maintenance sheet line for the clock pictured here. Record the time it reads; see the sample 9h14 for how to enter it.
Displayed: 1h09
